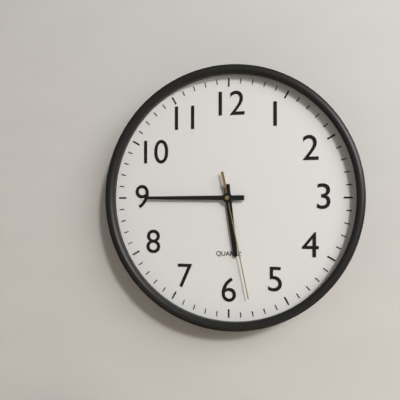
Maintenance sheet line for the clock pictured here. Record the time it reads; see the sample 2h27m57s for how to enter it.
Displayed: 5h45m28s
